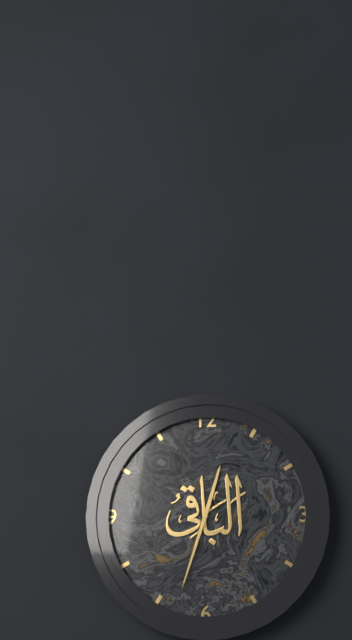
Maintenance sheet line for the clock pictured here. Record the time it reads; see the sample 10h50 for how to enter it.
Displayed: 12h33
